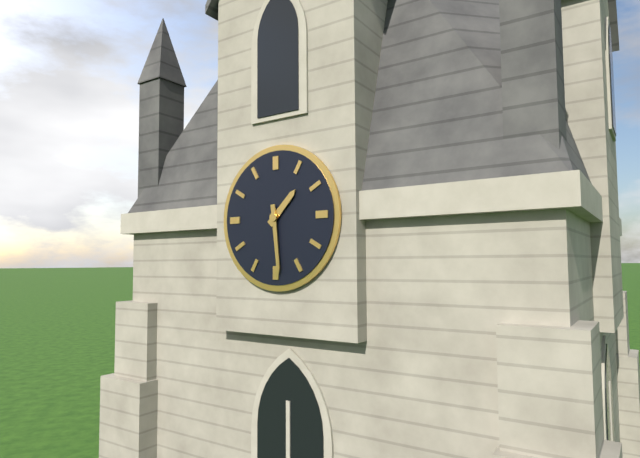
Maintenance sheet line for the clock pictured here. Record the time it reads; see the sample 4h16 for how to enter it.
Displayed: 1h29
